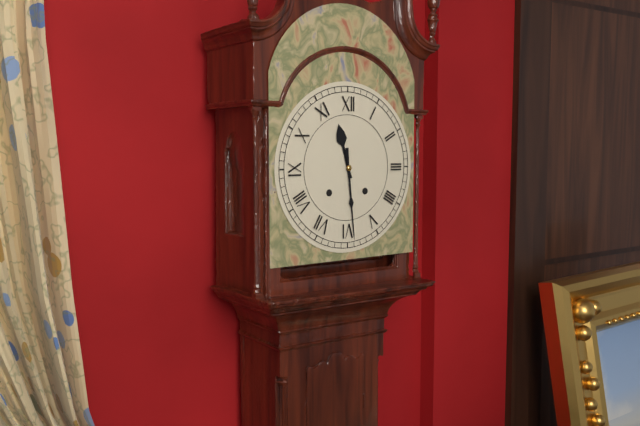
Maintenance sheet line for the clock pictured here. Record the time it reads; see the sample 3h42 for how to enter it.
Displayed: 11h29
